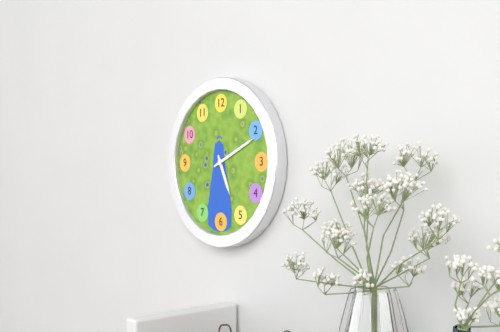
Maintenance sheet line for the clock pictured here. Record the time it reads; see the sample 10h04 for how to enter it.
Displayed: 5h11
